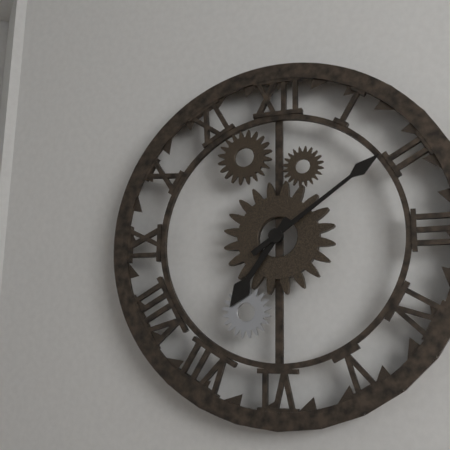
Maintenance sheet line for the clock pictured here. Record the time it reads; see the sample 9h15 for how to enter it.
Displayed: 7h09
